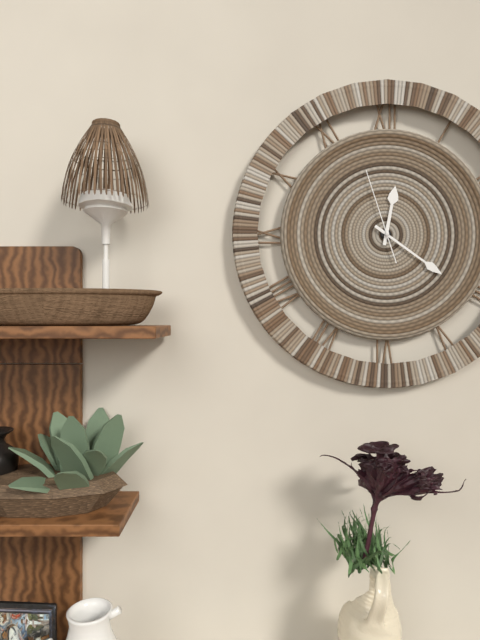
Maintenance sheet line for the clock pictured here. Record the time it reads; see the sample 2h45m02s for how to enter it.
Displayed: 12h21m57s
